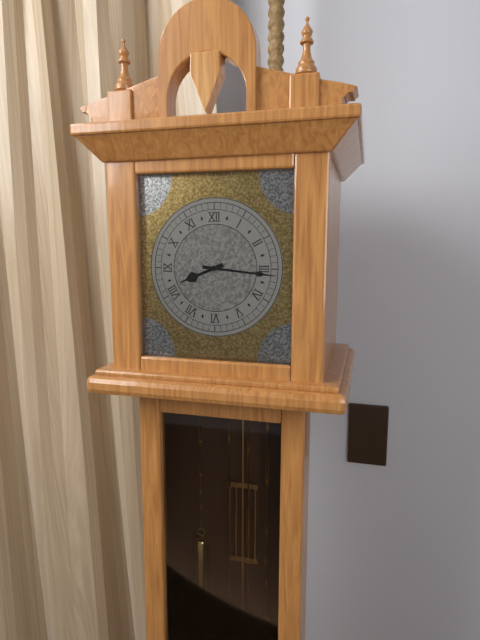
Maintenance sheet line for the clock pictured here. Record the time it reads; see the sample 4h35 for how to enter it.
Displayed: 8h16
